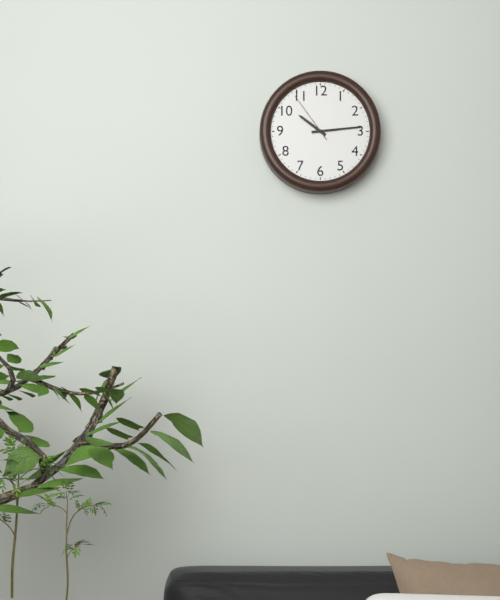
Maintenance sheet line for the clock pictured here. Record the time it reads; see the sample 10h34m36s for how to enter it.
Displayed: 10h14m54s
